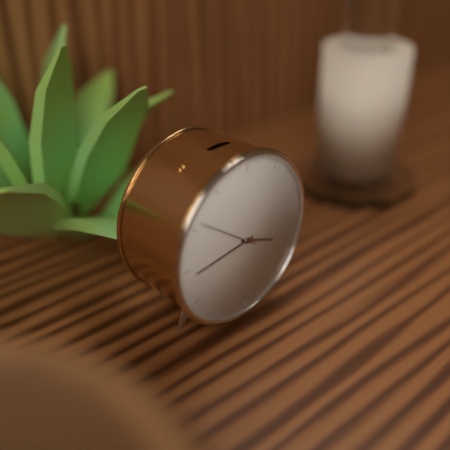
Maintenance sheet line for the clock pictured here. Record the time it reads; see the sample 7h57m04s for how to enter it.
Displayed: 3h44m51s
